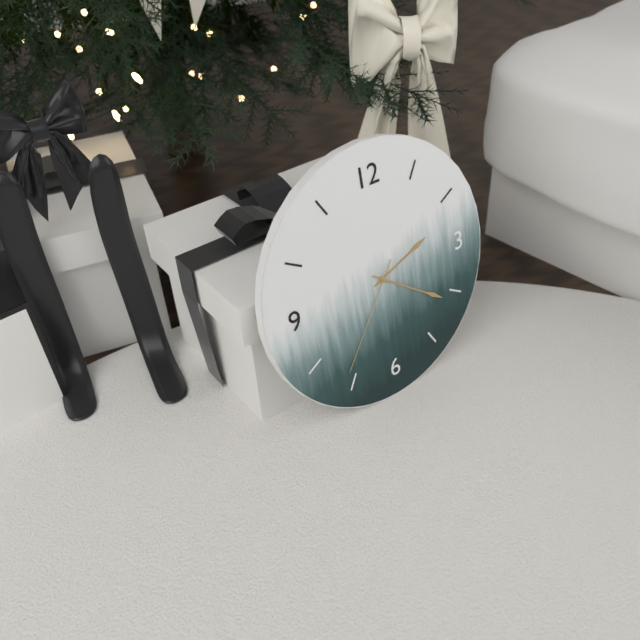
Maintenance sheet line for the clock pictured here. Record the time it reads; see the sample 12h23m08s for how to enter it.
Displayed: 2h21m36s
